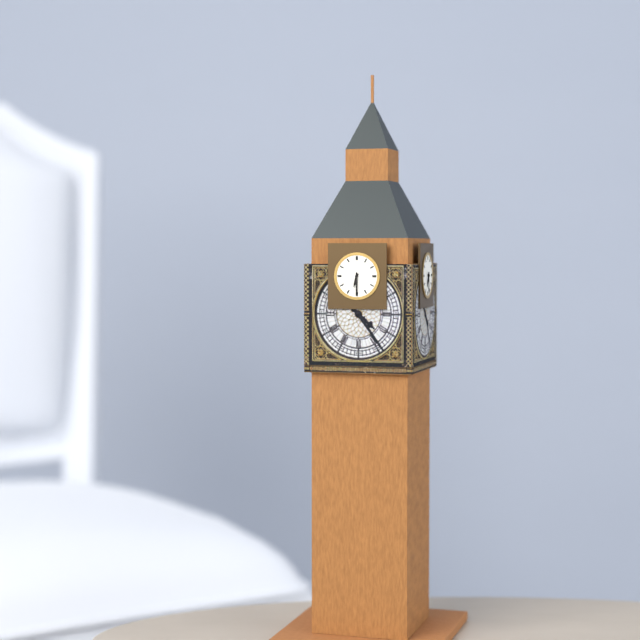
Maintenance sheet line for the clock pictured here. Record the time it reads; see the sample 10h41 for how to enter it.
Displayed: 6h30
